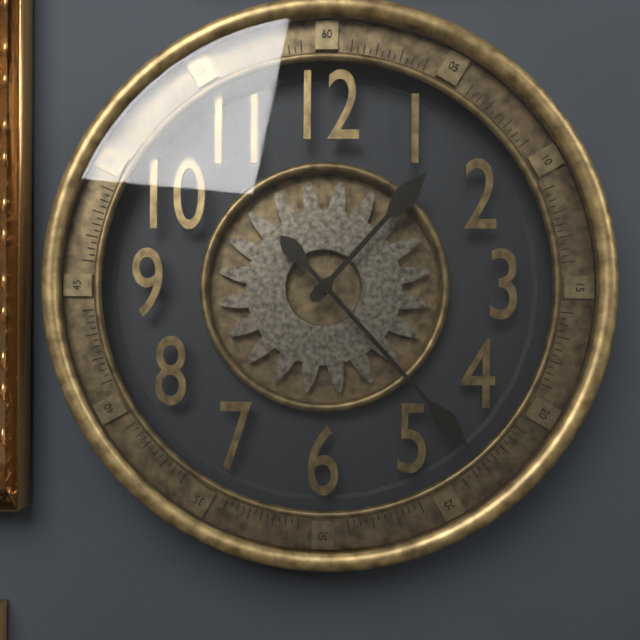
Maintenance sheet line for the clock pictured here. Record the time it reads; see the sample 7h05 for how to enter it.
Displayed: 1h23
